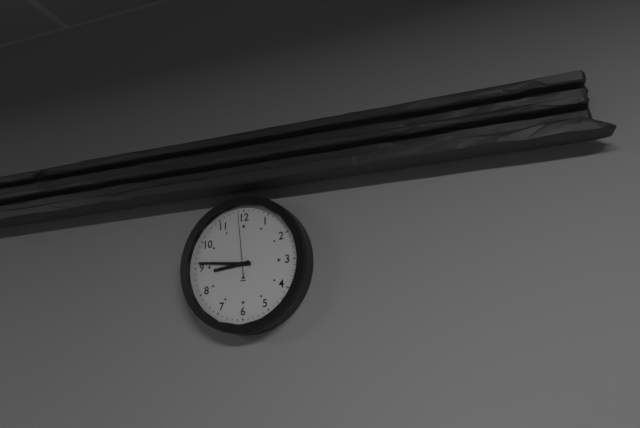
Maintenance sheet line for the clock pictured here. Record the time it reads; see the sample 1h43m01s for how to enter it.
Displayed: 8h46m59s
